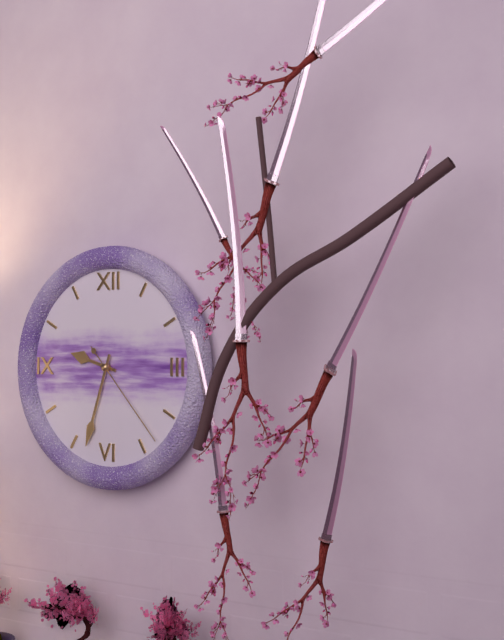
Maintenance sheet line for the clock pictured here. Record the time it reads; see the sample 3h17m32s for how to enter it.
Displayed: 9h33m23s
